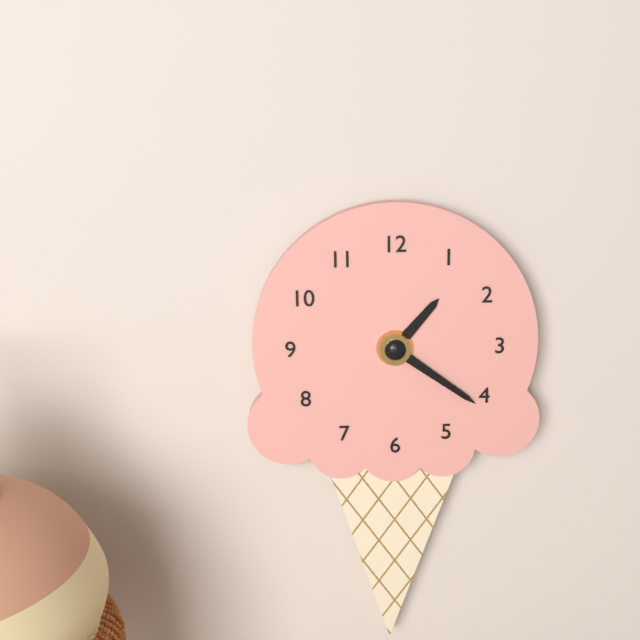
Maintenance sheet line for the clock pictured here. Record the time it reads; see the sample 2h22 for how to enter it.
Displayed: 1h21
